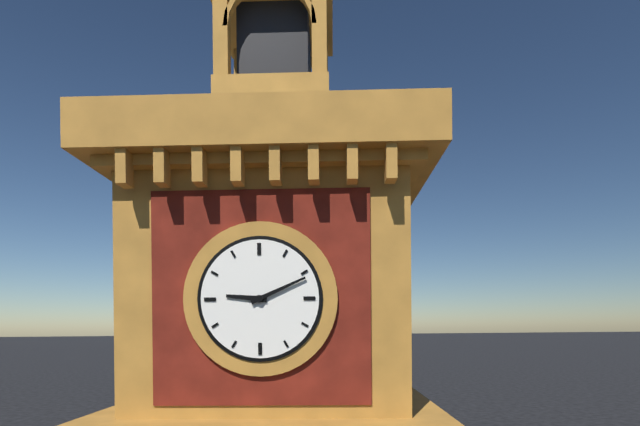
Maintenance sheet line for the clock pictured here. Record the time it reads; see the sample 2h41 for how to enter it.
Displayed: 9h11
